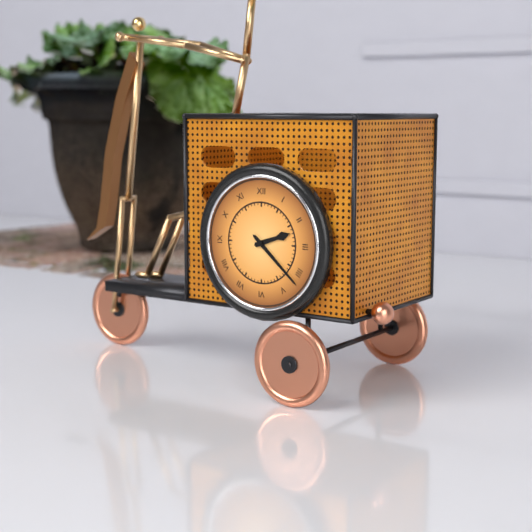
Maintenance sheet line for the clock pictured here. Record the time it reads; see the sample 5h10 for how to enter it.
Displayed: 2h22
